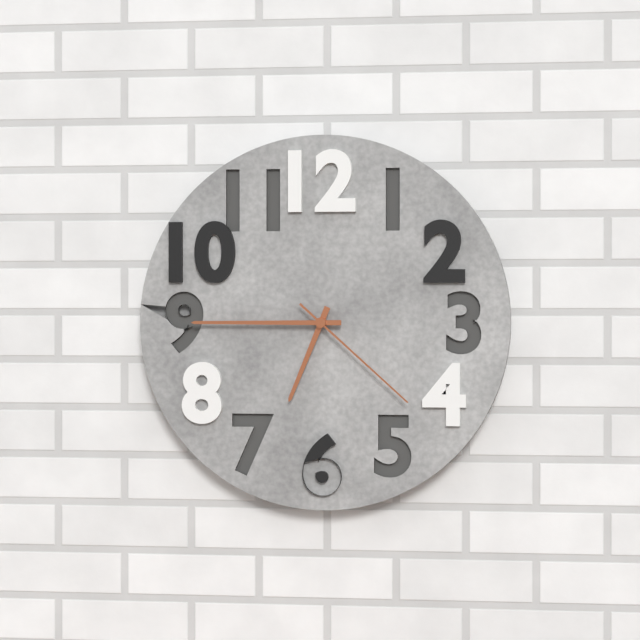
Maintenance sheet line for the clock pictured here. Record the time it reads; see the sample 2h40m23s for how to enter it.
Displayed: 6h45m22s
